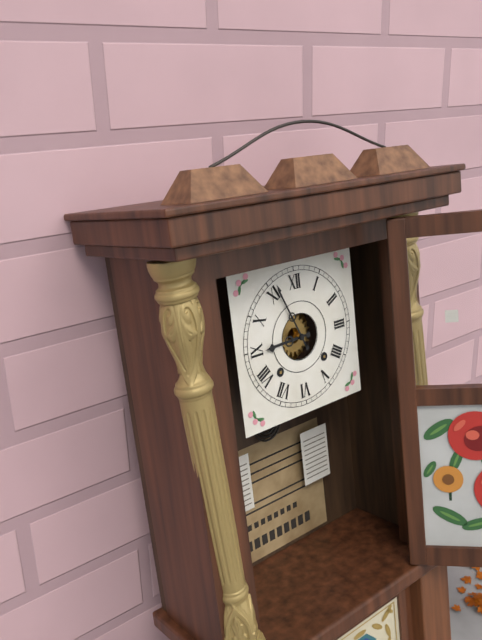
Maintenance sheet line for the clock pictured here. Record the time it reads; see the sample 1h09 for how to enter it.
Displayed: 8h56
